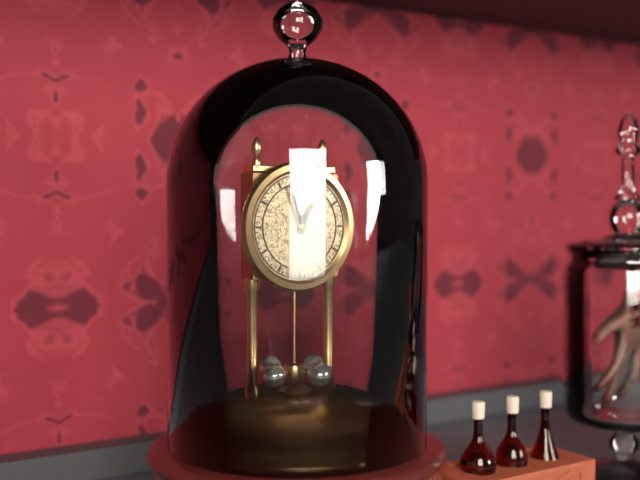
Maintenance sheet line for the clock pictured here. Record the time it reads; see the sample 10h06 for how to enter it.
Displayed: 12h57
